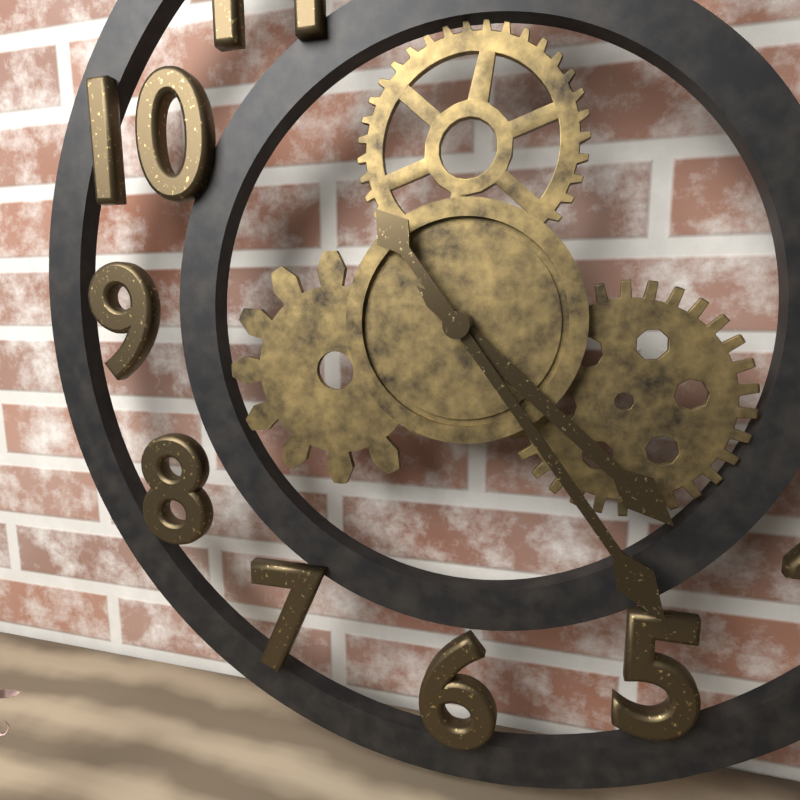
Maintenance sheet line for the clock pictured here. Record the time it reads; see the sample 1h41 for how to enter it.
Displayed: 4h24
